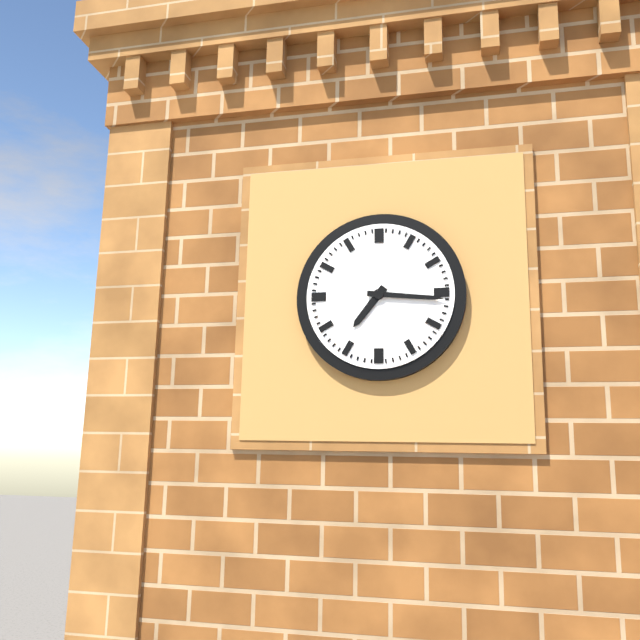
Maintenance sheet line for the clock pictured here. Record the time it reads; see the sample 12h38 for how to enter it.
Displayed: 7h16
